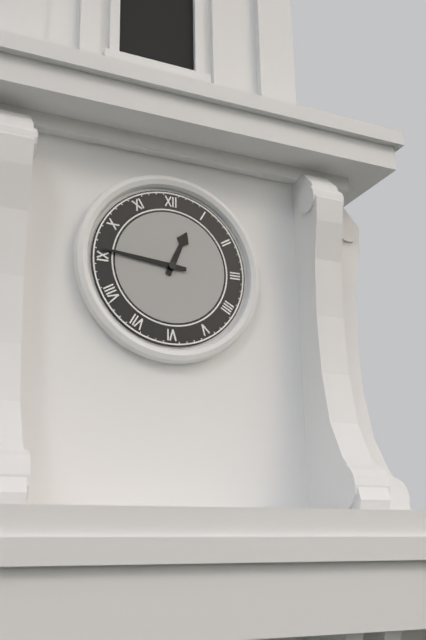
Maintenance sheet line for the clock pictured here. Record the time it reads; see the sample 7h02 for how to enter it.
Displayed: 12h46
